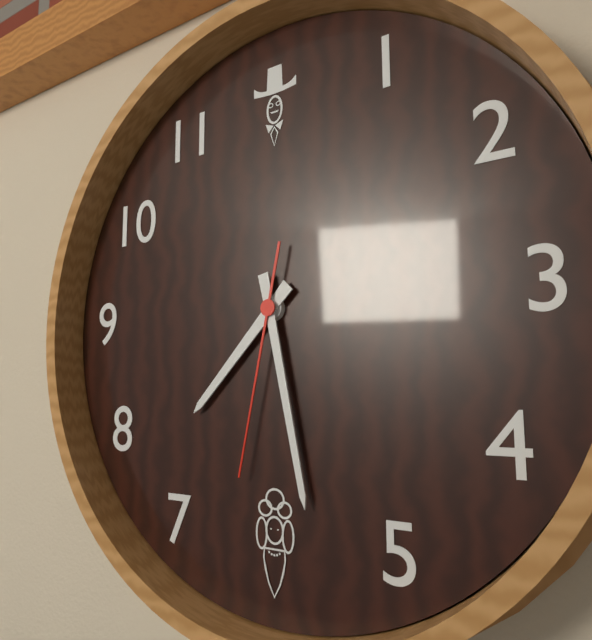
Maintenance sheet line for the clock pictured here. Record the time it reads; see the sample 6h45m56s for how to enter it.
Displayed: 7h28m32s
